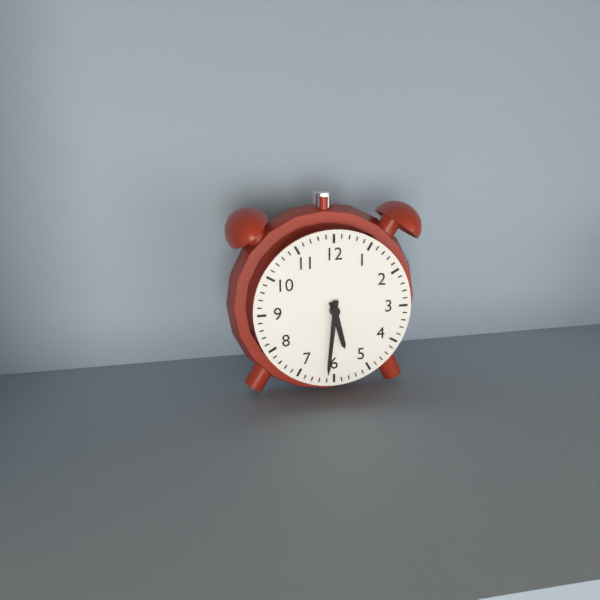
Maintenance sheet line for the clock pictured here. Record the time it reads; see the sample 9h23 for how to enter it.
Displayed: 5h31
